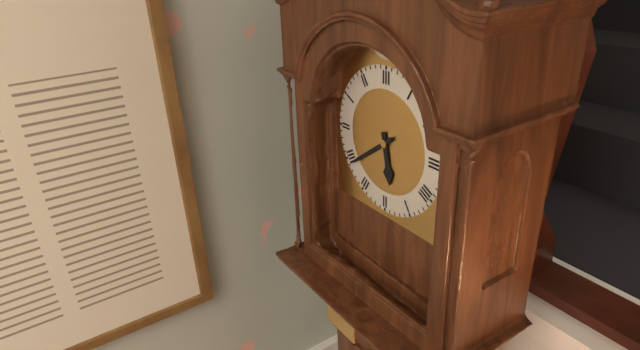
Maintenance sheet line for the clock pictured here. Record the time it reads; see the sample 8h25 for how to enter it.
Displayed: 5h39
